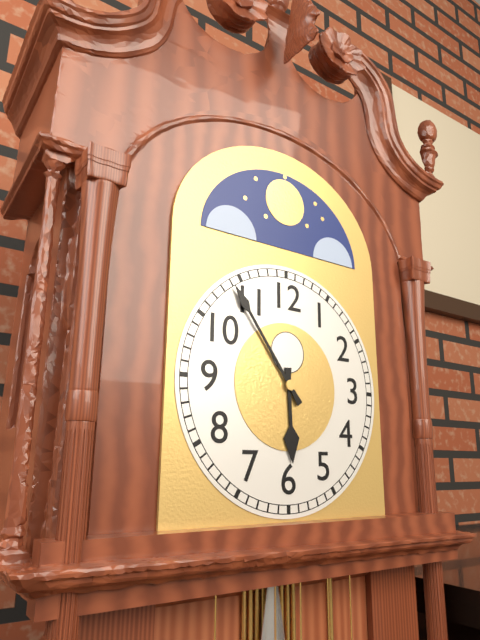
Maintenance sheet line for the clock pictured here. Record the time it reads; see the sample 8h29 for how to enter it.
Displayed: 5h54
